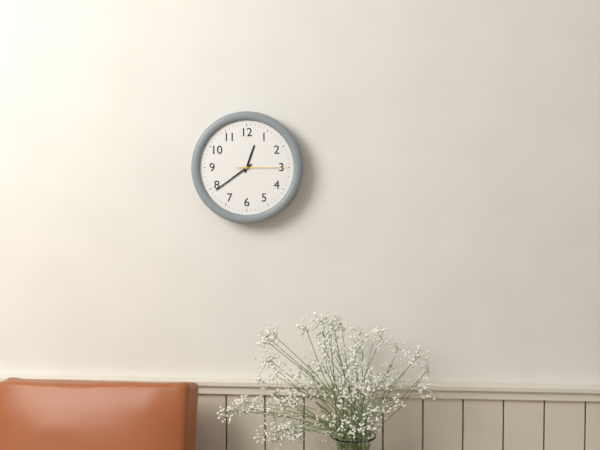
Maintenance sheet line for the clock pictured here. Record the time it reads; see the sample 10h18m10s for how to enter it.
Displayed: 12h39m15s
